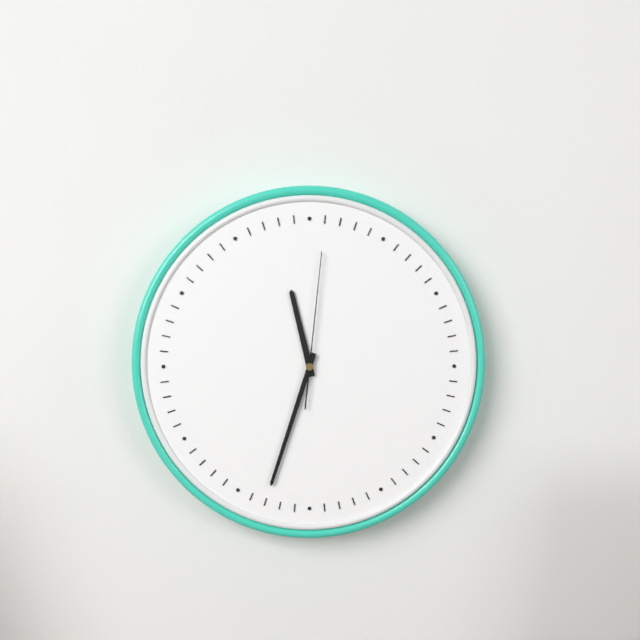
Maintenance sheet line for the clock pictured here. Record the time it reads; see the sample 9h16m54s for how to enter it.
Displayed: 11h33m01s
